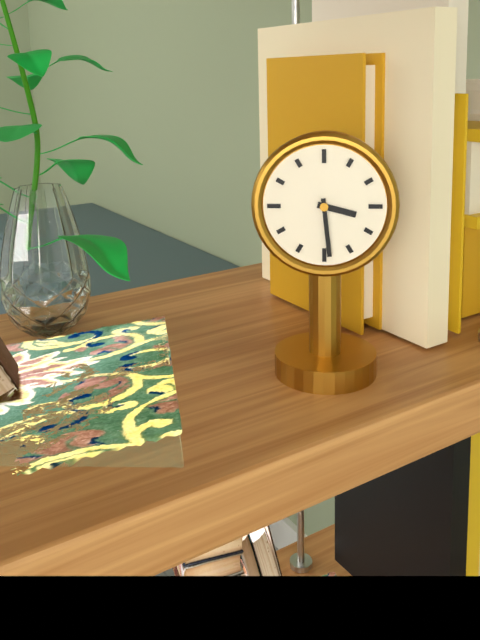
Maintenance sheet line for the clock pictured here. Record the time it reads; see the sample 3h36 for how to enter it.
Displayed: 3h29
